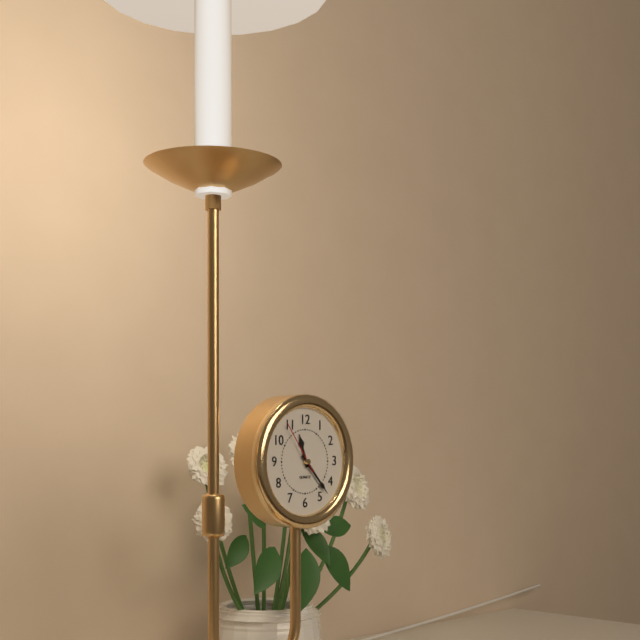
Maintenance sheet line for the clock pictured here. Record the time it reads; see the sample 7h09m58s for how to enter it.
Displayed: 11h23m54s
